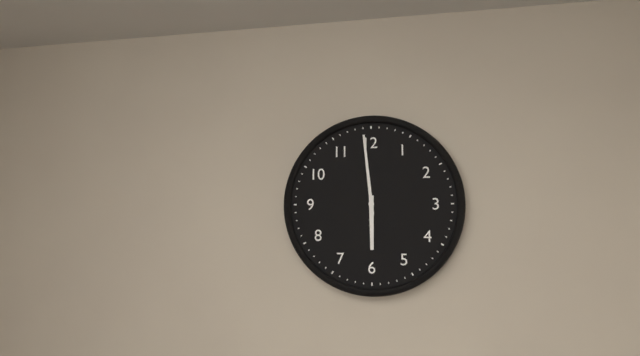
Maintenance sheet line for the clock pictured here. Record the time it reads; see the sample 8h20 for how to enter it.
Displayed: 5h59
